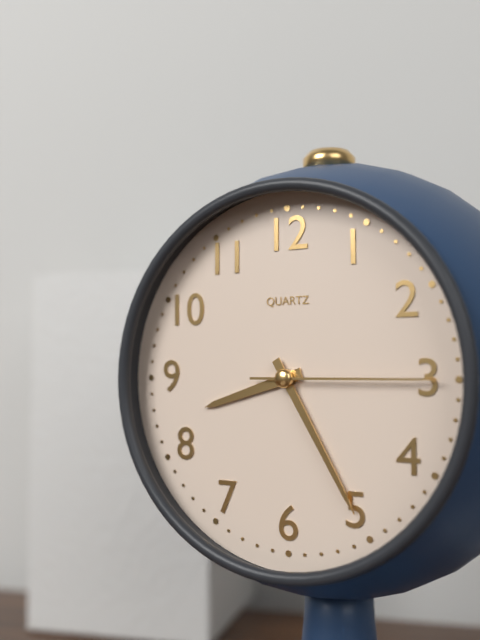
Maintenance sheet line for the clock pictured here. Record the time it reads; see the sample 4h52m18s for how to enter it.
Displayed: 8h25m15s
